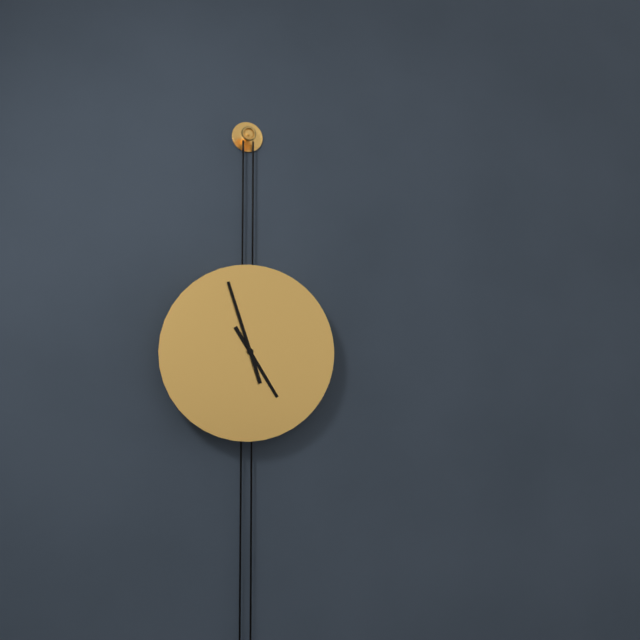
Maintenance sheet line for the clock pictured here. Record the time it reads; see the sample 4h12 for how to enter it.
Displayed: 4h57
